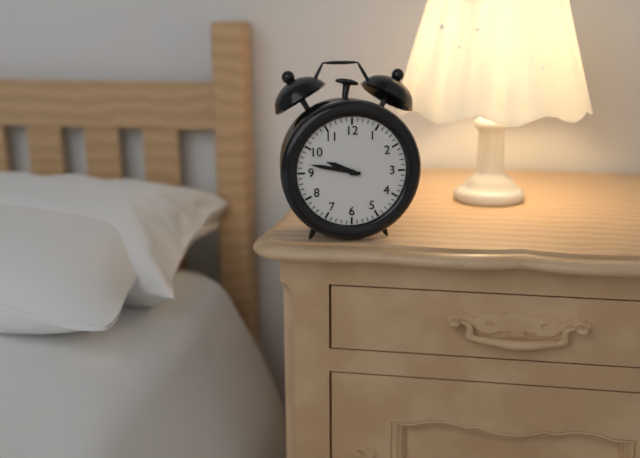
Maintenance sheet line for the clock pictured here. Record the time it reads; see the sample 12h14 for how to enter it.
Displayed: 9h47
